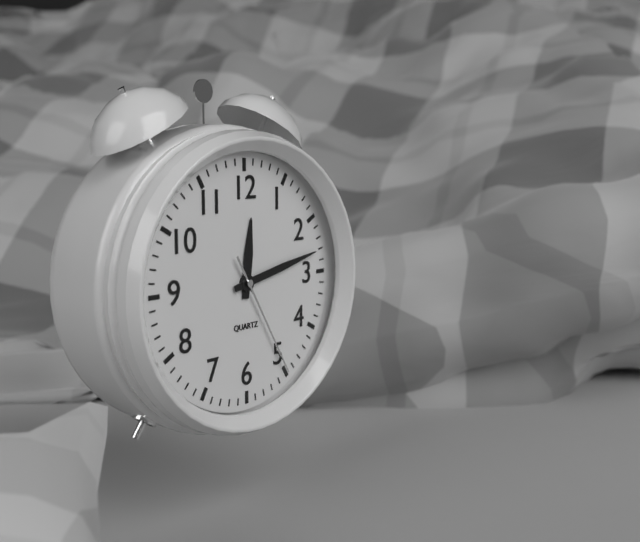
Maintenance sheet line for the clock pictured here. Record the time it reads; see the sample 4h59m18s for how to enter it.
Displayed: 12h13m25s
